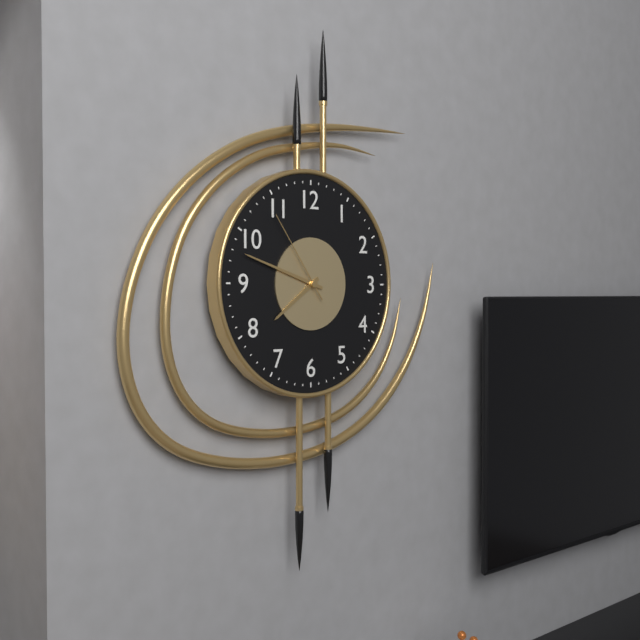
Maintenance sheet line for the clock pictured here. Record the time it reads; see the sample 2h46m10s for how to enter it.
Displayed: 7h48m54s
